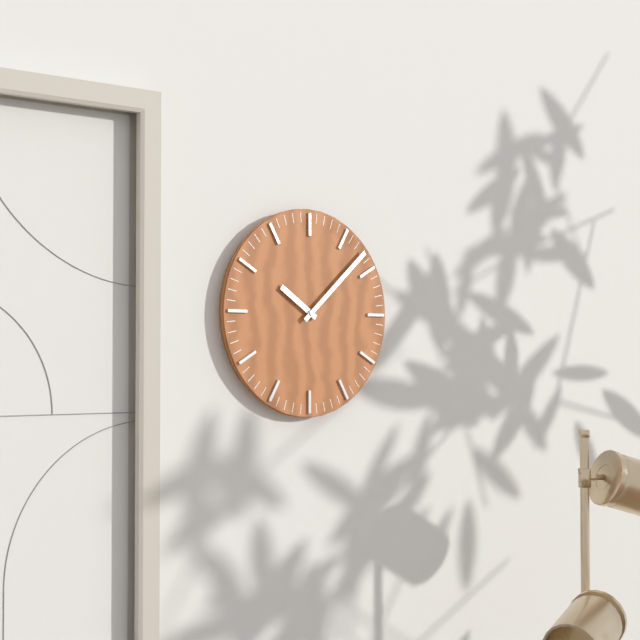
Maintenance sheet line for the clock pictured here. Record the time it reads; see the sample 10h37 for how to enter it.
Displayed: 10h08
